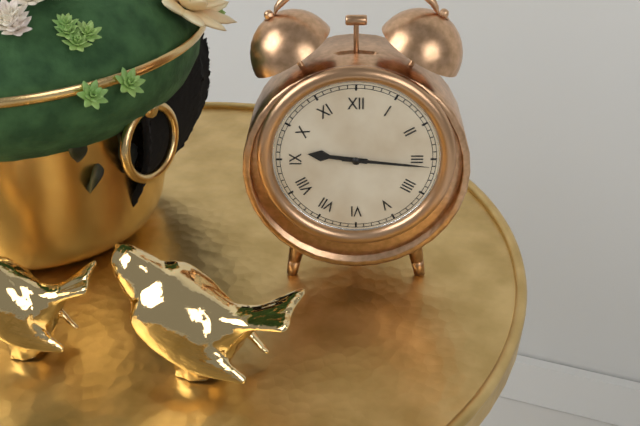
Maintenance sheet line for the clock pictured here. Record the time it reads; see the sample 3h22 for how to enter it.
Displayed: 9h16
